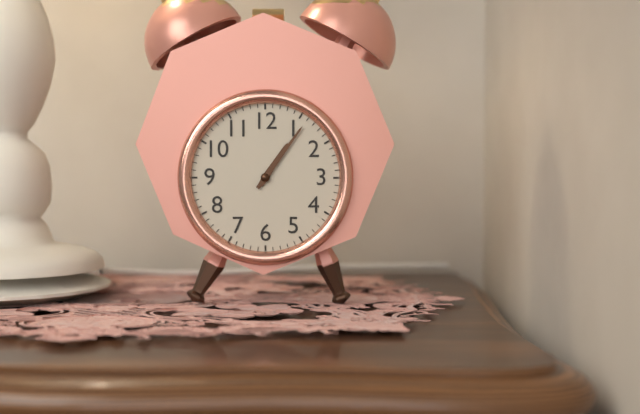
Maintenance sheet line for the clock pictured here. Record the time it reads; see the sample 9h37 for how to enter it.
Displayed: 1h06
